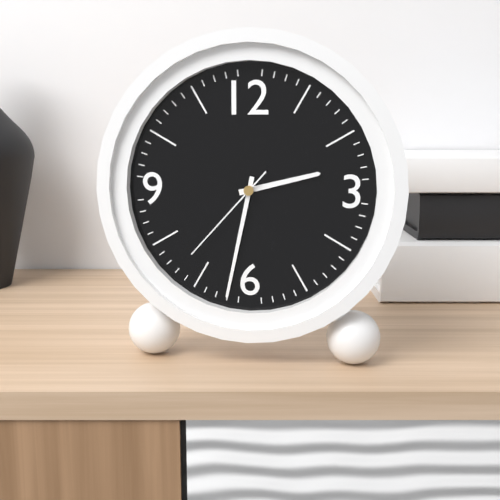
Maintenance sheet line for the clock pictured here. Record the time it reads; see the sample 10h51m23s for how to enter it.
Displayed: 2h32m37s
